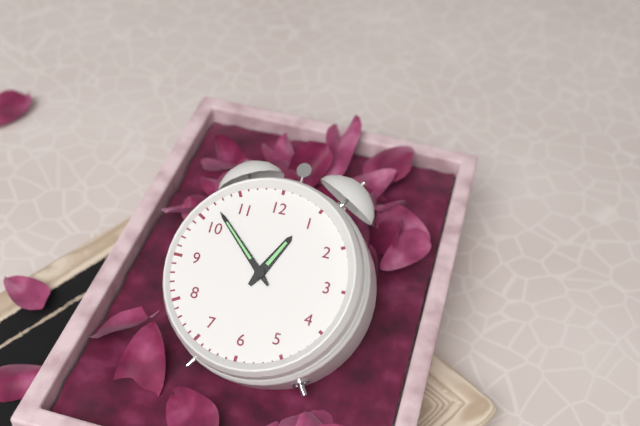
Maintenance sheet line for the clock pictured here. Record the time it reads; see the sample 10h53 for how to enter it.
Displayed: 12h52
